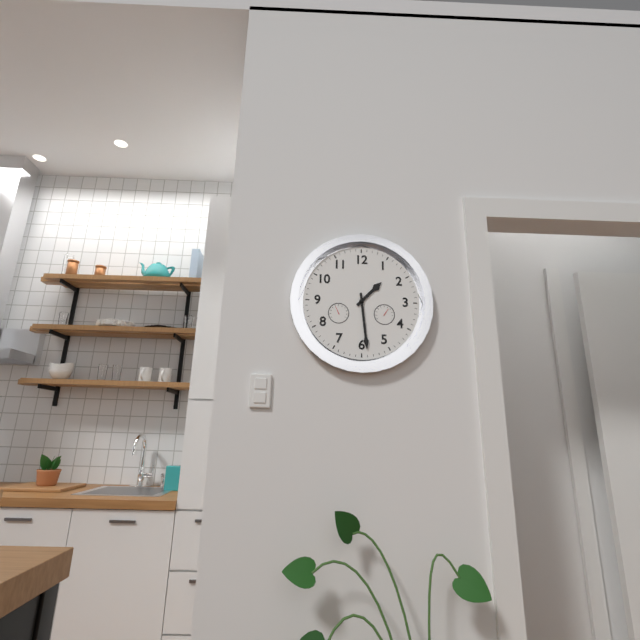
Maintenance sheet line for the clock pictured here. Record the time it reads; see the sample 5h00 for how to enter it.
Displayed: 1h29
